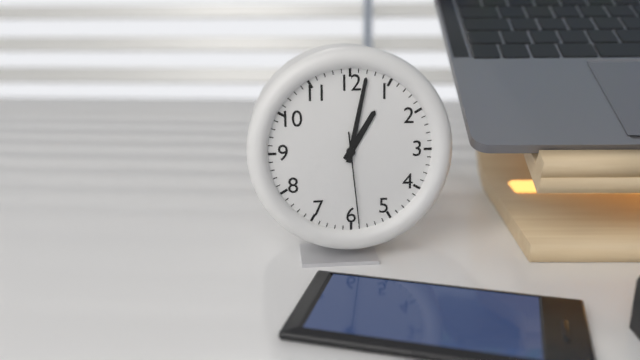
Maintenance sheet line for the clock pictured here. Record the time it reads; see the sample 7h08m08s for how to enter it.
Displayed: 1h02m29s
